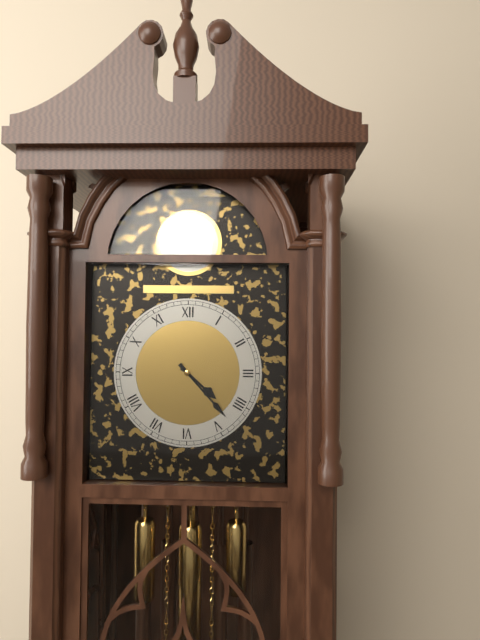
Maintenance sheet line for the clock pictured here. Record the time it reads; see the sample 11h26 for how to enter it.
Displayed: 4h23
